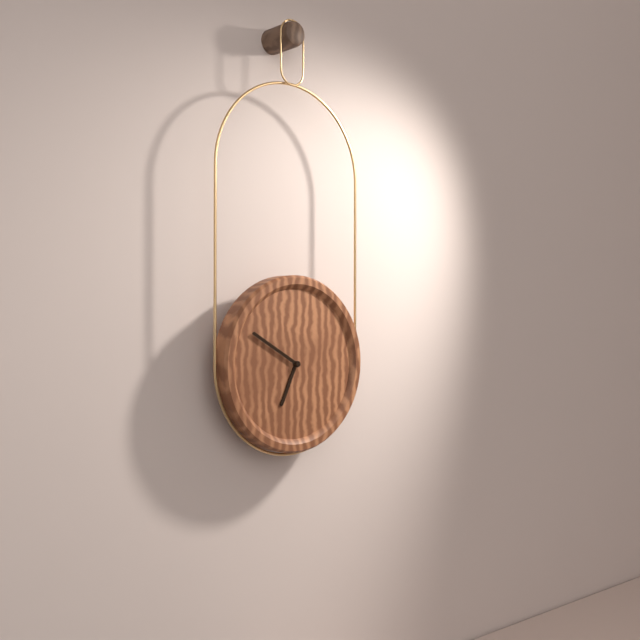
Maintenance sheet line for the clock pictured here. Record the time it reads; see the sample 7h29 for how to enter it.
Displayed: 6h50
